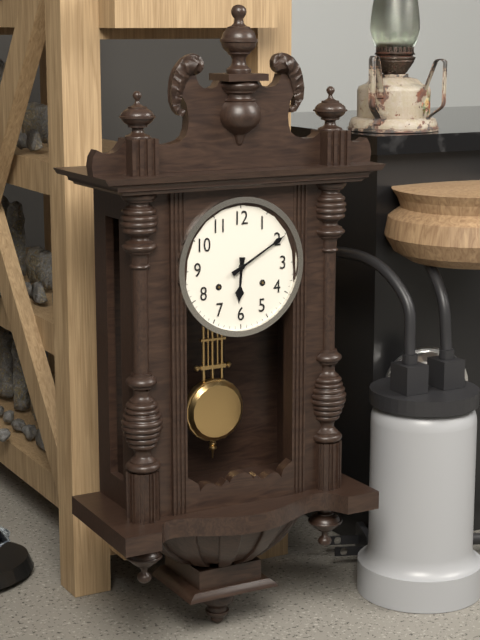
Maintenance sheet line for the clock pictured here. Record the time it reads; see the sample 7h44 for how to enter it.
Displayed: 6h10
